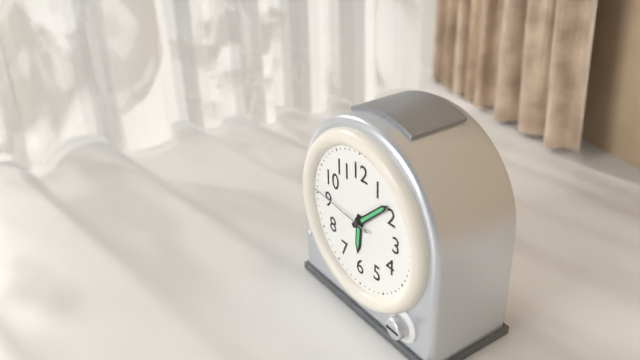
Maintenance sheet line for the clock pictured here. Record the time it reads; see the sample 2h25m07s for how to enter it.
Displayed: 6h08m46s
